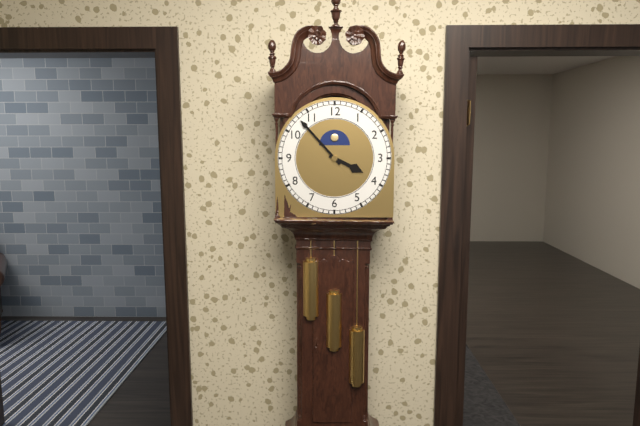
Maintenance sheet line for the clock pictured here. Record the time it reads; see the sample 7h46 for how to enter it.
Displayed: 3h53
